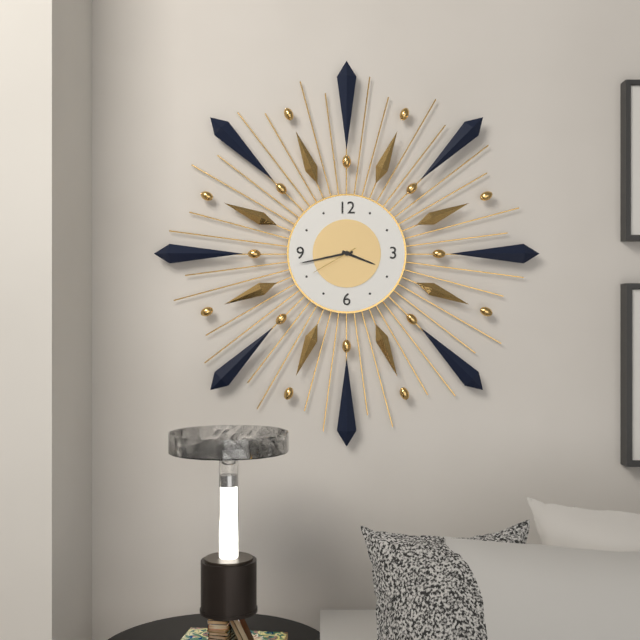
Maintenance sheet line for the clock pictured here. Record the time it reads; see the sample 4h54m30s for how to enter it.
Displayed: 3h43m40s
